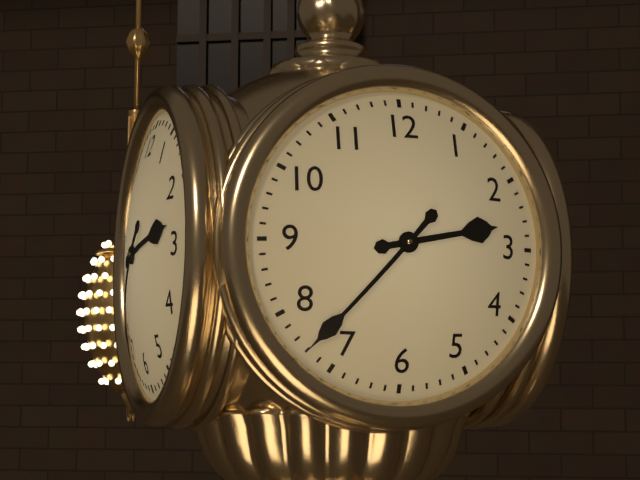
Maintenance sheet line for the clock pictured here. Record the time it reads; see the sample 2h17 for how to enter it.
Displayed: 2h37
